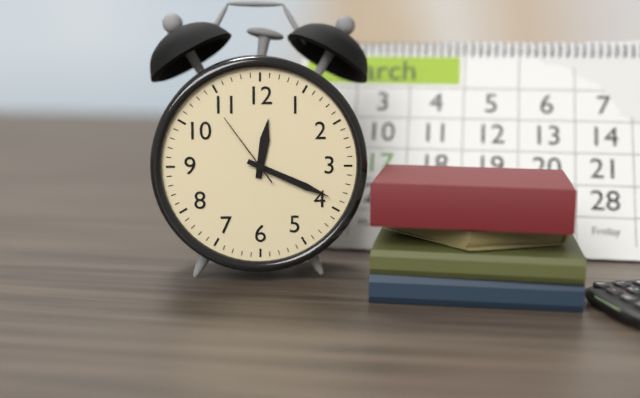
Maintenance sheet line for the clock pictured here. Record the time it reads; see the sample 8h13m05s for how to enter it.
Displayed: 12h19m54s
